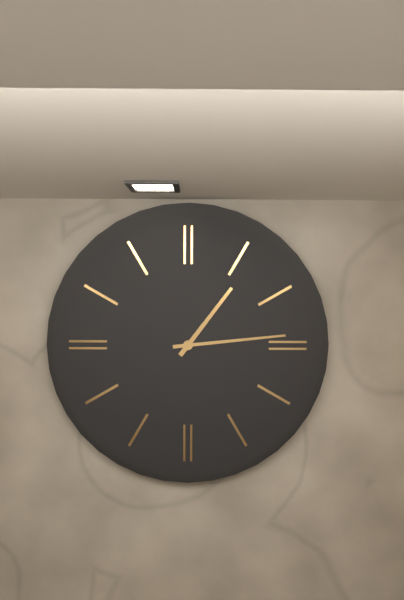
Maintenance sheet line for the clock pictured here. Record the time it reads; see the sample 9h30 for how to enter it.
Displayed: 1h14
